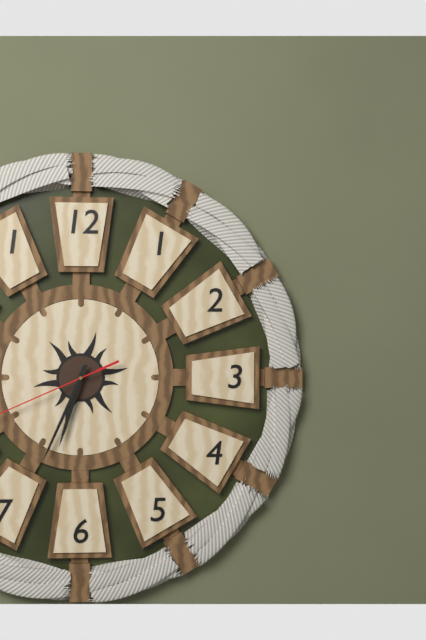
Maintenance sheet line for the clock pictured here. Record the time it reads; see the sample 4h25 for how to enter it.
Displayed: 6h34
